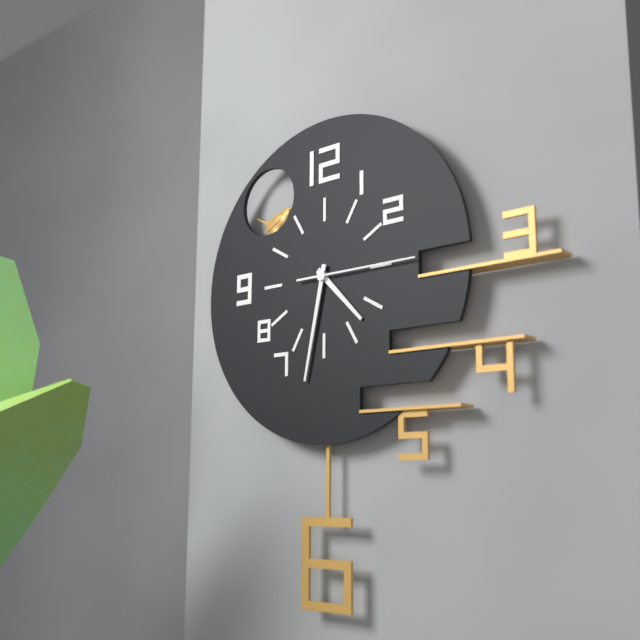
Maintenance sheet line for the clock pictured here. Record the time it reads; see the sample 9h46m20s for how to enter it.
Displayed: 4h32m15s
